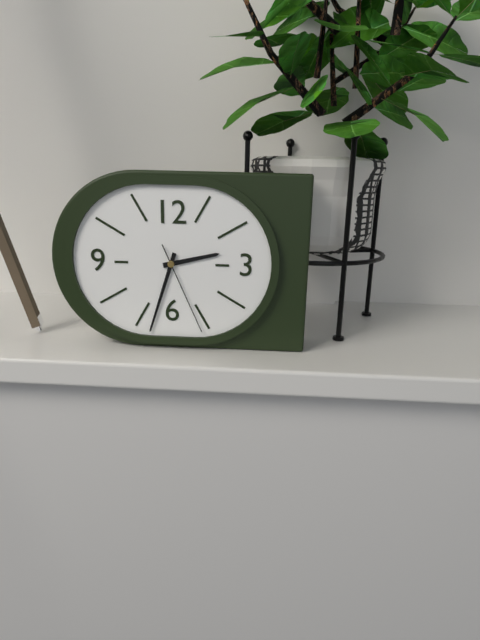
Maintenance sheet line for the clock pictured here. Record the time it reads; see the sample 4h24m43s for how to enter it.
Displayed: 2h33m26s
